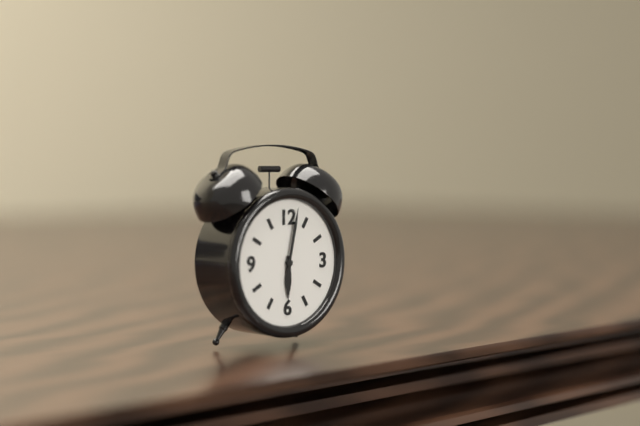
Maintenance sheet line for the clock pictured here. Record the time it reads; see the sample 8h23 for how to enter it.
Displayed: 6h02
